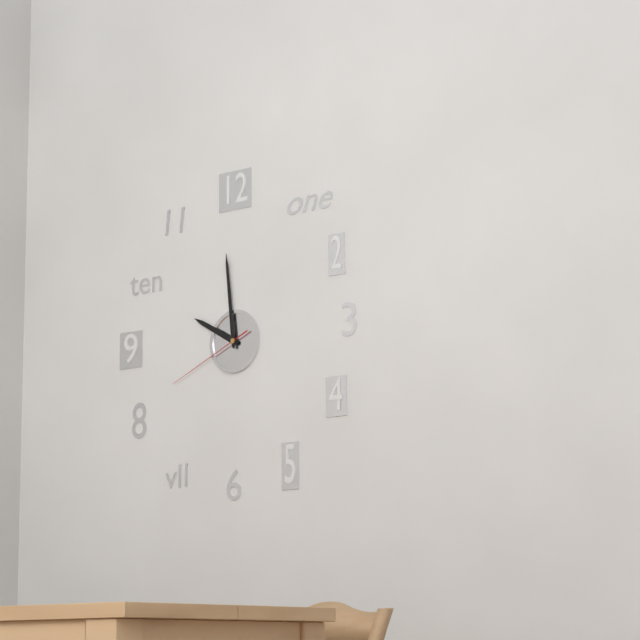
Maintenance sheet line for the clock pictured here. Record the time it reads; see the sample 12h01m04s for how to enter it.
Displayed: 9h59m41s
